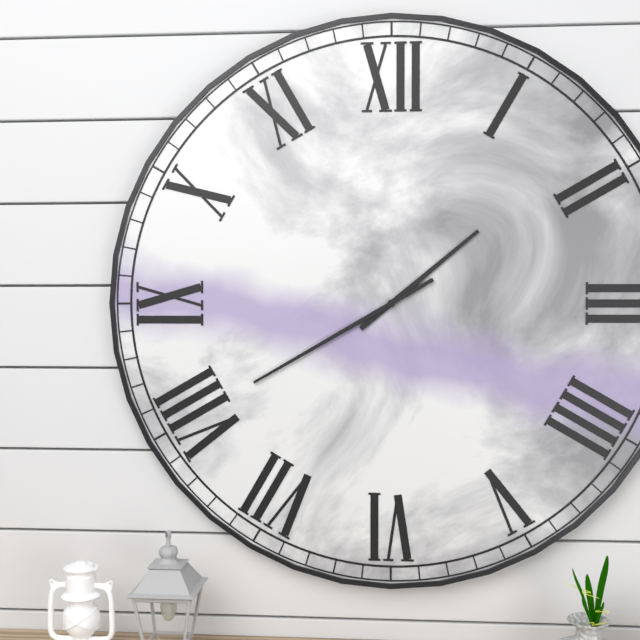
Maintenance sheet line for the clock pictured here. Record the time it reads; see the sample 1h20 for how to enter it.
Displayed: 1h40
